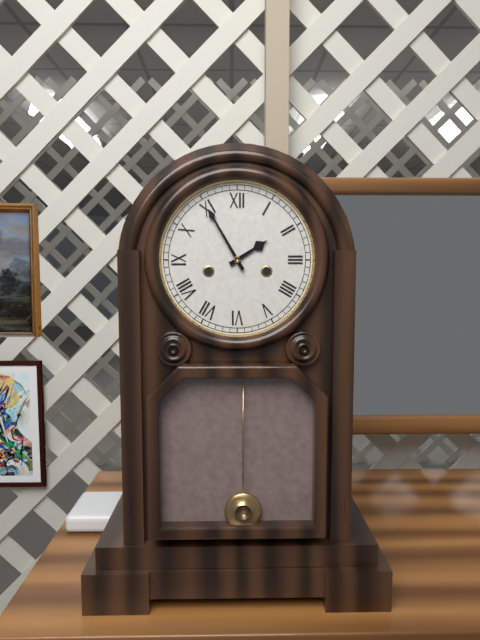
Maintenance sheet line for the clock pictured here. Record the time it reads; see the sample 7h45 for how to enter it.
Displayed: 1h55
